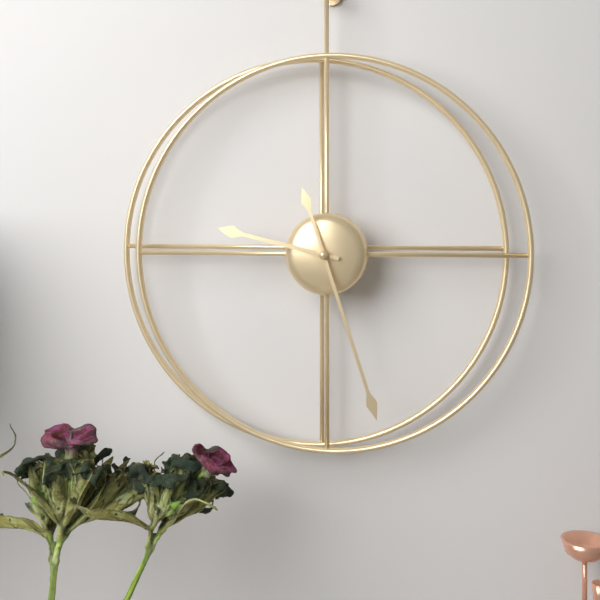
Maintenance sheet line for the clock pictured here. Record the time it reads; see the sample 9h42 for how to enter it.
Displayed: 9h27
